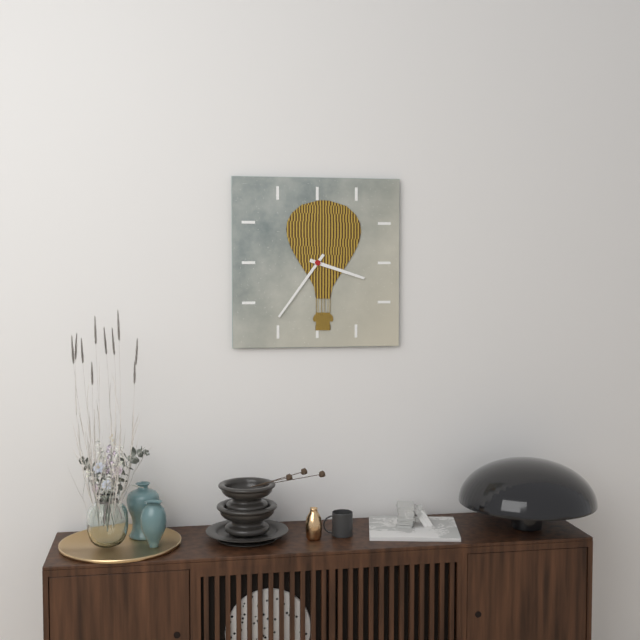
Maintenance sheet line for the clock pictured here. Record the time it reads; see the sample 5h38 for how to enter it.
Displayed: 3h36
